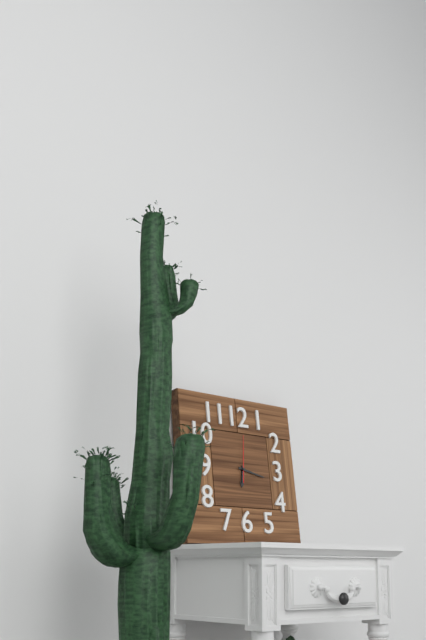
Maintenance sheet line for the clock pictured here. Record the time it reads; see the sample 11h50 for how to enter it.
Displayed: 6h17
